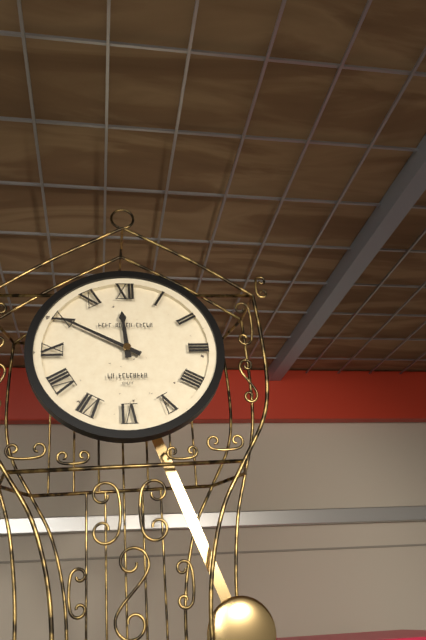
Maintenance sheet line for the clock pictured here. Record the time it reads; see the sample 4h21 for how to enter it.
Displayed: 11h50
